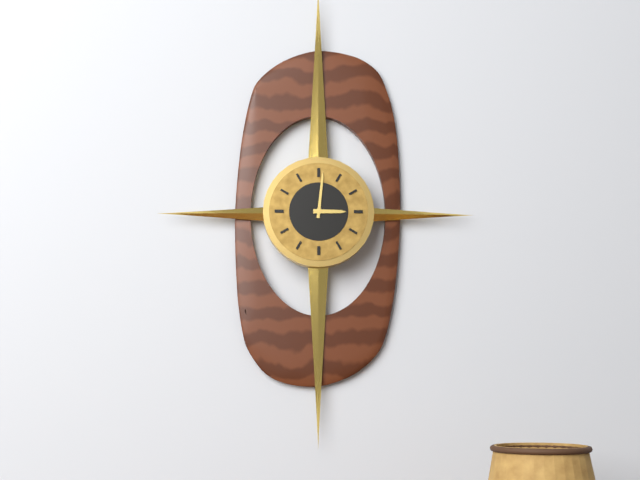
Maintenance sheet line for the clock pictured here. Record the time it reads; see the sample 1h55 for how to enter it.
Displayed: 3h01
